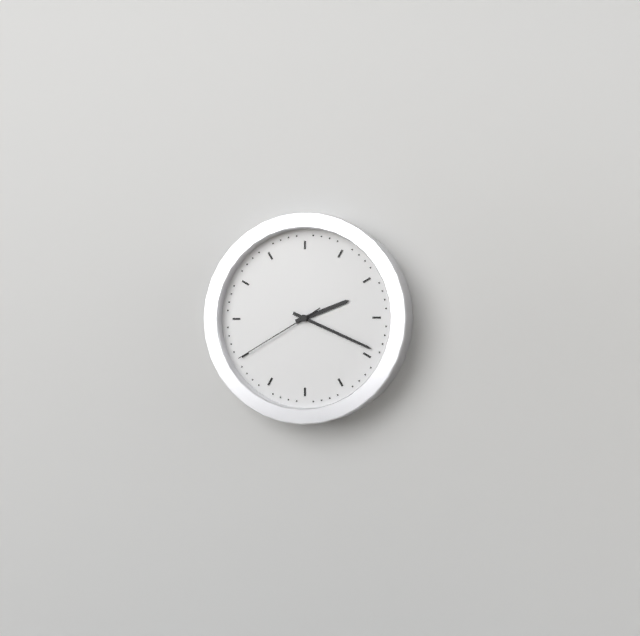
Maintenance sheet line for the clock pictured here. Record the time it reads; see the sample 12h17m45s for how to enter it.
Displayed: 2h19m40s
